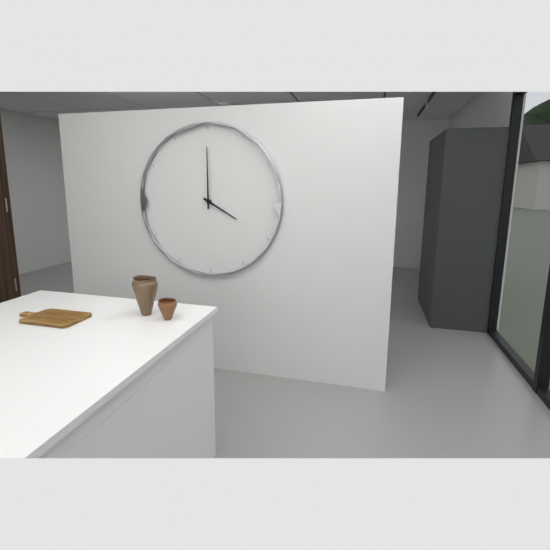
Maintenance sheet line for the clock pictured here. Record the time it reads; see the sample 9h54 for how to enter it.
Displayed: 4h00
